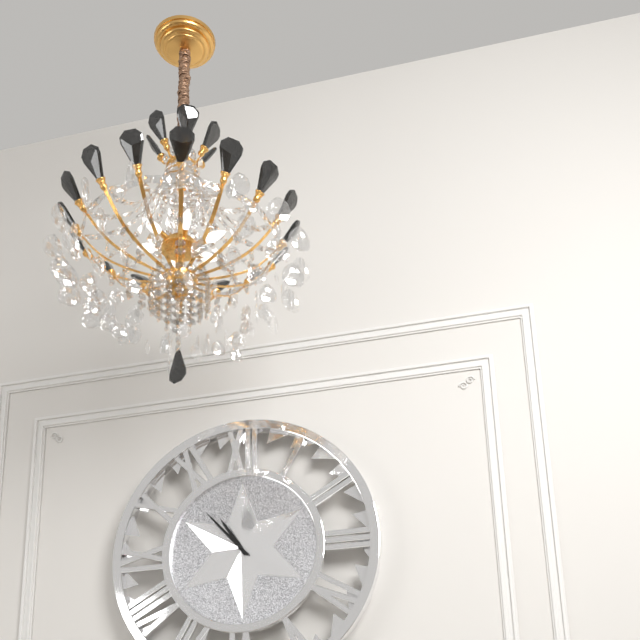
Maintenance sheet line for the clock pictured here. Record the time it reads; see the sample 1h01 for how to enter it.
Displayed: 10h53
